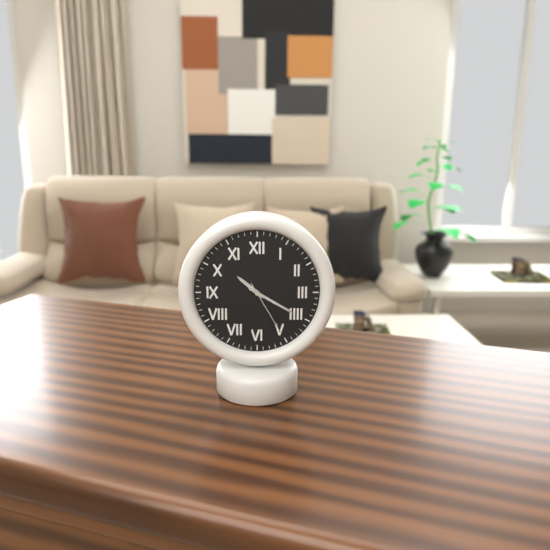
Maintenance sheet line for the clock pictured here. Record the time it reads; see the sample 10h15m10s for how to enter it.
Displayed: 10h20m25s
